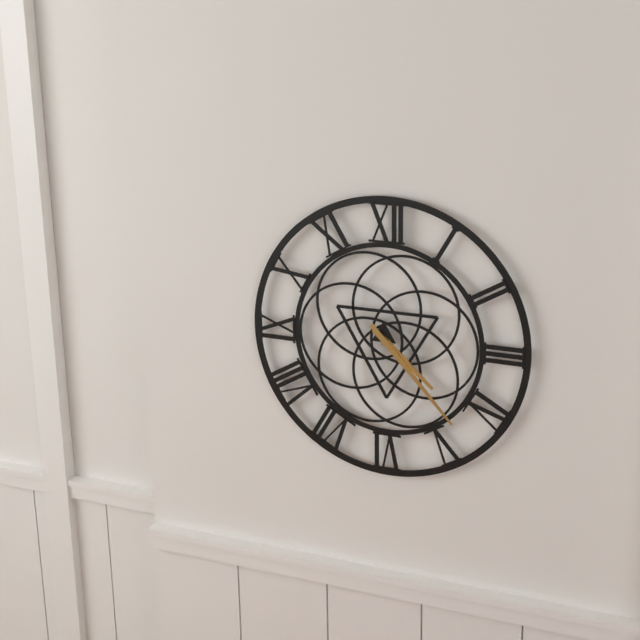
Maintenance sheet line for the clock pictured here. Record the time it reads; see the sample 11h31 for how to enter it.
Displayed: 4h23
